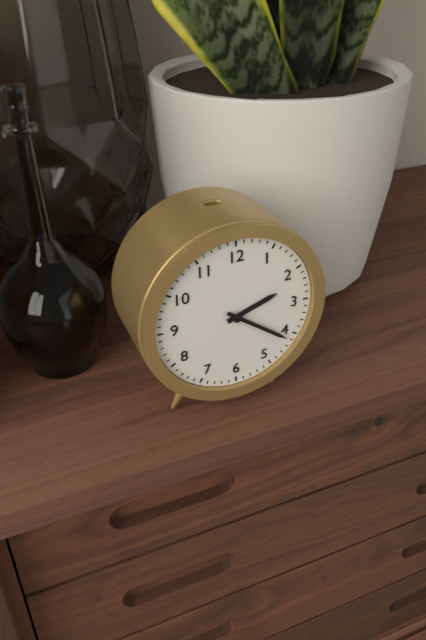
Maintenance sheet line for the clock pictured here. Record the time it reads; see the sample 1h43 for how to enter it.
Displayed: 2h21
